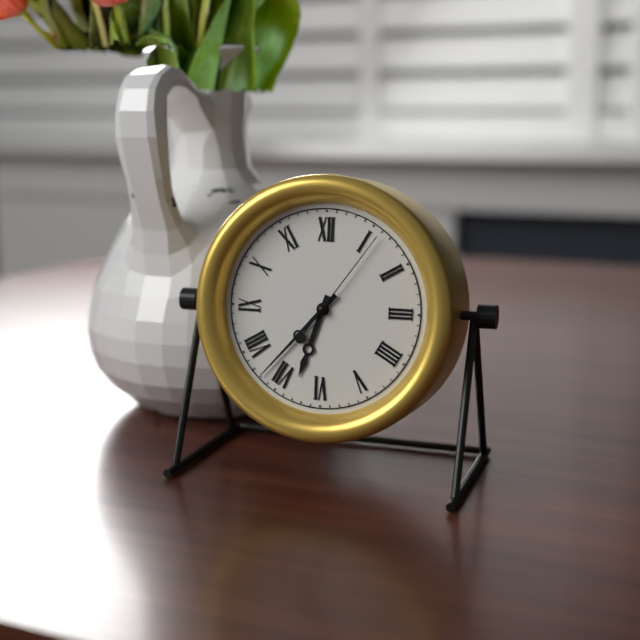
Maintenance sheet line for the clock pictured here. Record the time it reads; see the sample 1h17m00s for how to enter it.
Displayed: 6h37m06s
